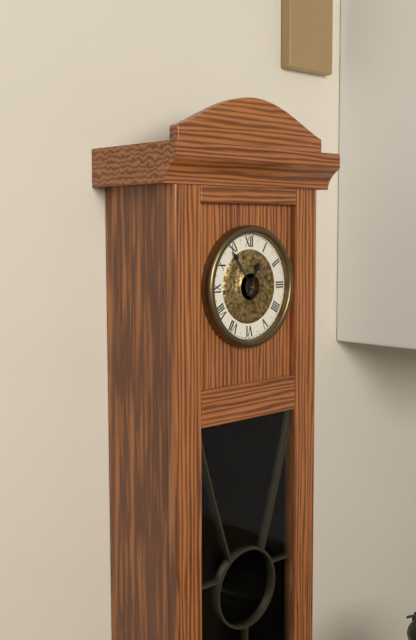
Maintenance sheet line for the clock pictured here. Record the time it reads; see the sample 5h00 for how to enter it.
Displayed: 12h54
